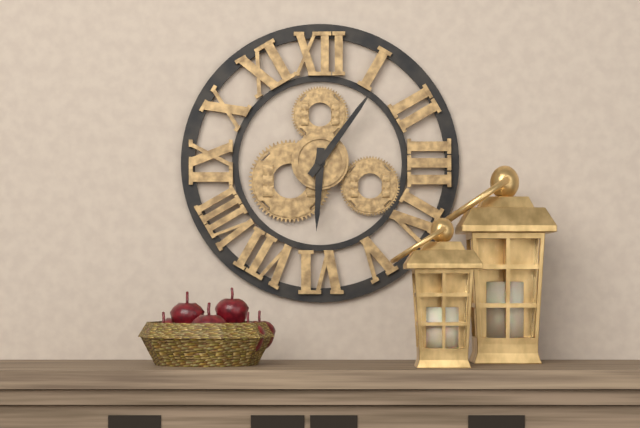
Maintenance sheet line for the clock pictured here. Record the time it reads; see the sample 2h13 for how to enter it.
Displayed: 6h06
